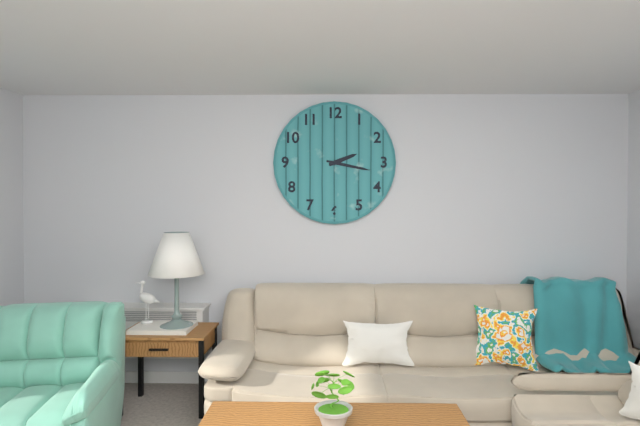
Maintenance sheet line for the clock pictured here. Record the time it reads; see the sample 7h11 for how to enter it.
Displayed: 2h17
